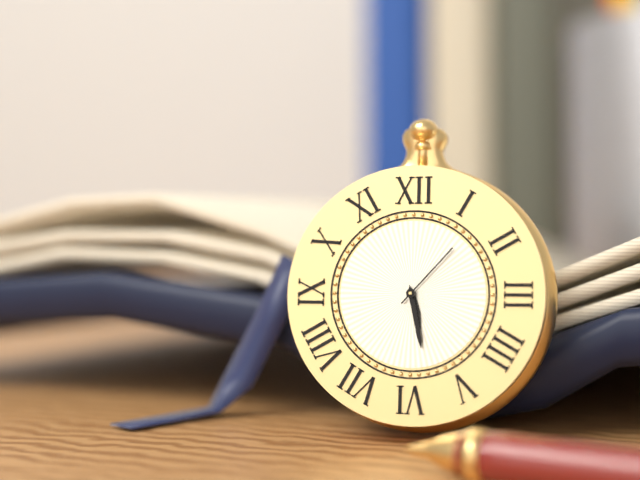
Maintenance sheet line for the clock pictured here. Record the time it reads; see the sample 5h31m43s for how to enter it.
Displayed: 5h28m07s
